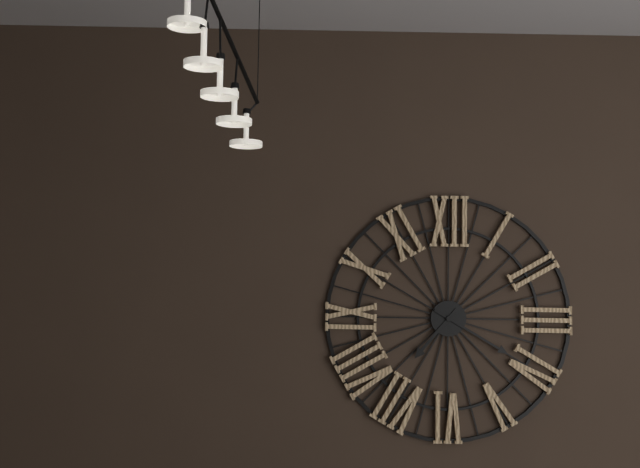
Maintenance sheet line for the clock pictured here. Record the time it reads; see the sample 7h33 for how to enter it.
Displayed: 7h20
